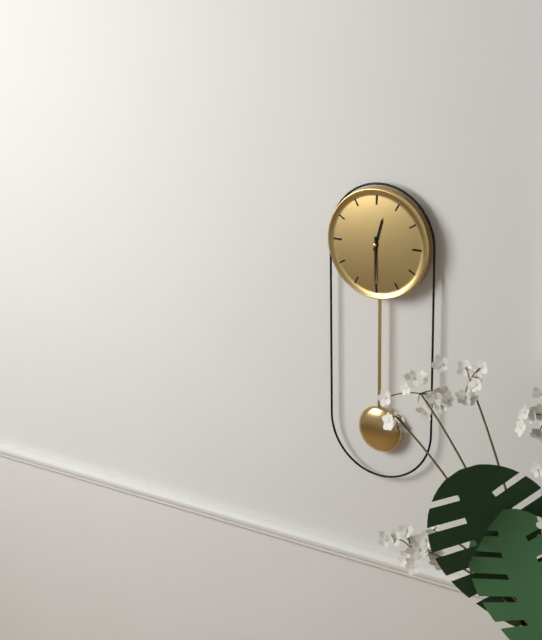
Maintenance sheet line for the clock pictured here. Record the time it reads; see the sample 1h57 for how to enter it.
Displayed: 12h30
